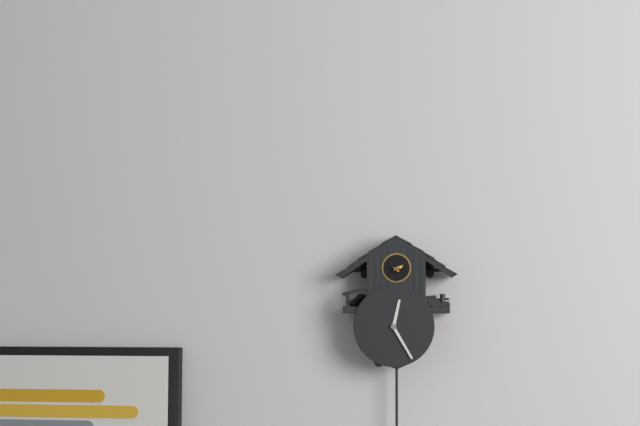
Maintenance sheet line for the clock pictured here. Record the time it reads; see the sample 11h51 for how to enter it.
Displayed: 12h25
